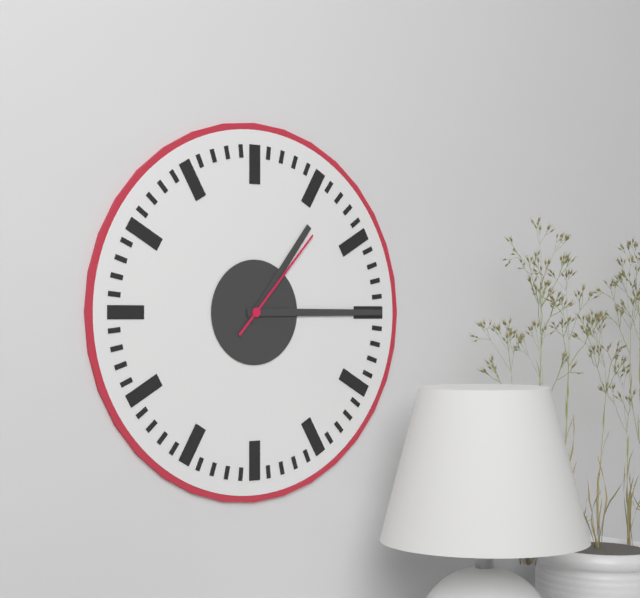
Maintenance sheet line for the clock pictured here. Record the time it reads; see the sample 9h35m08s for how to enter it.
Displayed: 1h15m07s
